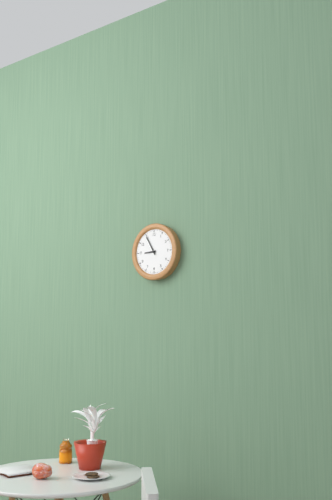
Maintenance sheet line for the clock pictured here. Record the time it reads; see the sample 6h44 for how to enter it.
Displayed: 8h55
